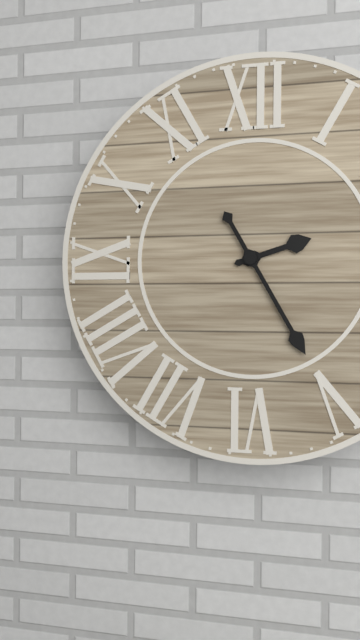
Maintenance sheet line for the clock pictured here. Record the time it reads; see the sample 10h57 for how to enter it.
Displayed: 2h25
